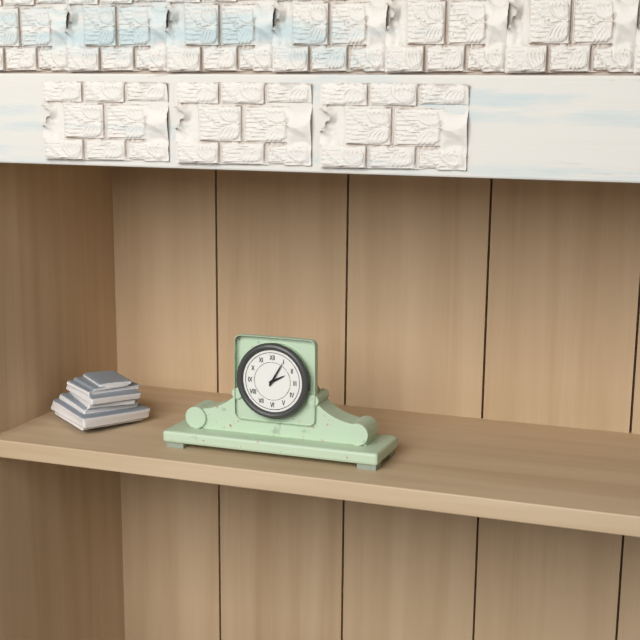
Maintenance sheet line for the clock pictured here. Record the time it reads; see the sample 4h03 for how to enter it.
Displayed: 2h05
